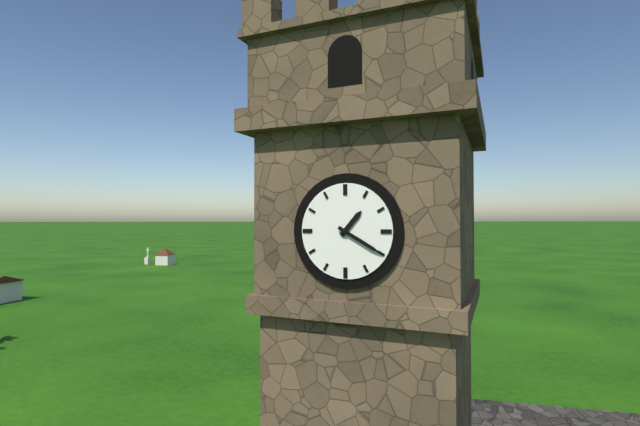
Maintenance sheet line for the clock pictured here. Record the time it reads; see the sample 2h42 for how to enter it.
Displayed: 1h20
